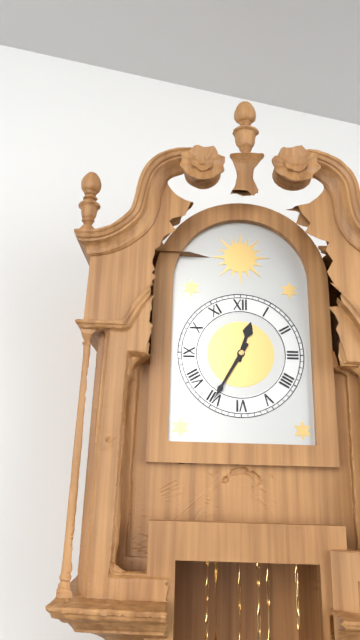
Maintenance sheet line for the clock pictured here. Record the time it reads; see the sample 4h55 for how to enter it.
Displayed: 12h35
